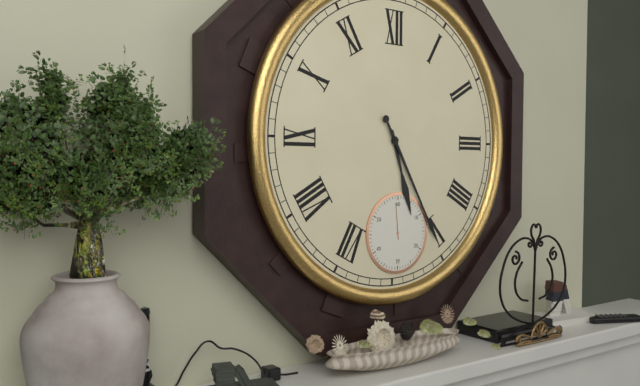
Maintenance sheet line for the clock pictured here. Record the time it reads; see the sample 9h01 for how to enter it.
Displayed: 5h25
